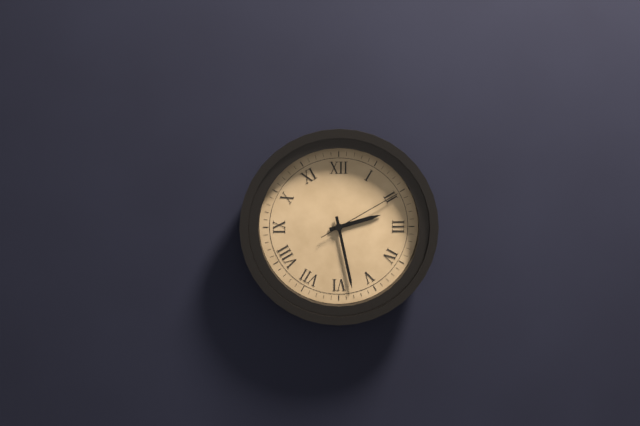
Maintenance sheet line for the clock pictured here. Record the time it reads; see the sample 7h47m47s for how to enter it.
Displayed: 2h28m10s
